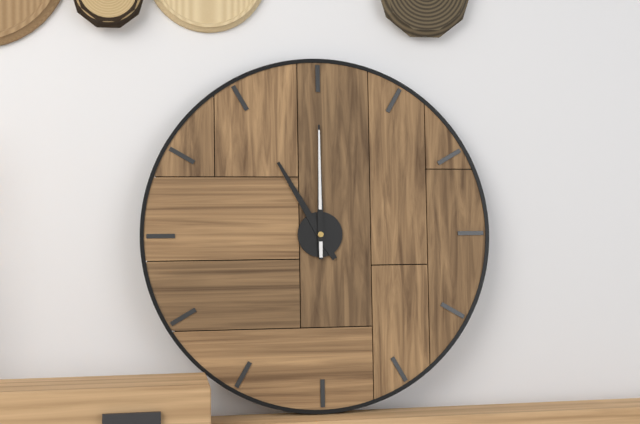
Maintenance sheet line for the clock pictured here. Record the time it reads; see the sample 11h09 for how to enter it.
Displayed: 11h00
